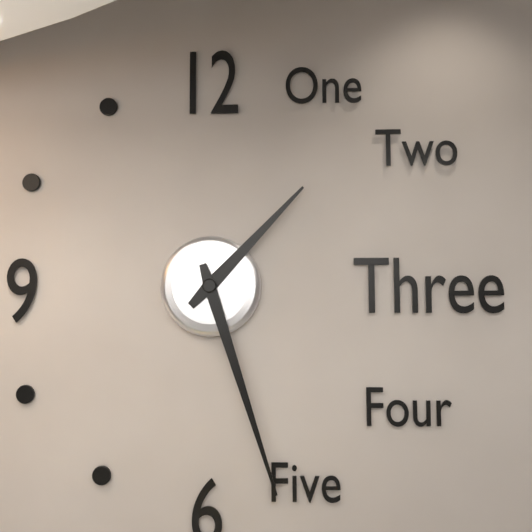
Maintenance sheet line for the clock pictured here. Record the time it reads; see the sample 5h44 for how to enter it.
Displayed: 1h27
